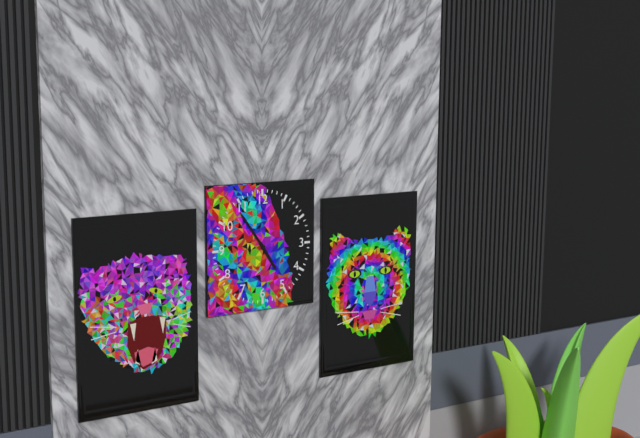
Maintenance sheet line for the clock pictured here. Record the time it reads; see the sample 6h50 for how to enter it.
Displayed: 4h54
